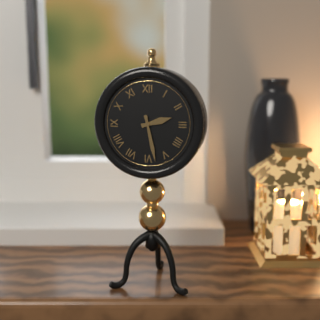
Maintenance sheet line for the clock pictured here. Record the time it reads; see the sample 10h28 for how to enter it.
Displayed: 2h28
